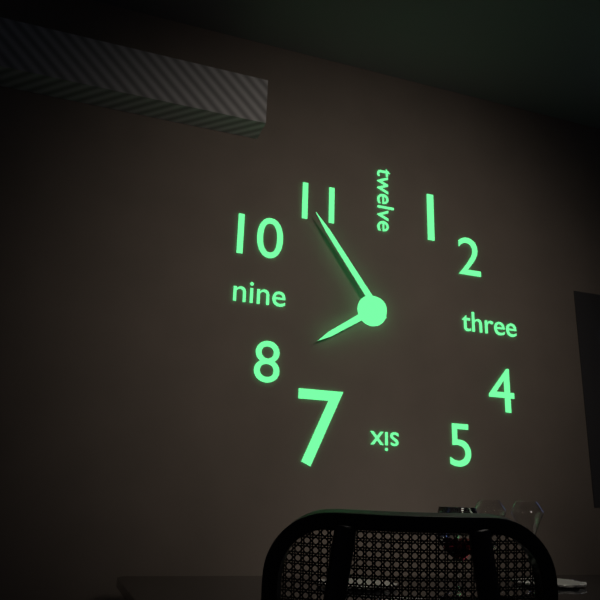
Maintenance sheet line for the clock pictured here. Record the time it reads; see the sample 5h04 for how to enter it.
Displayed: 7h54
